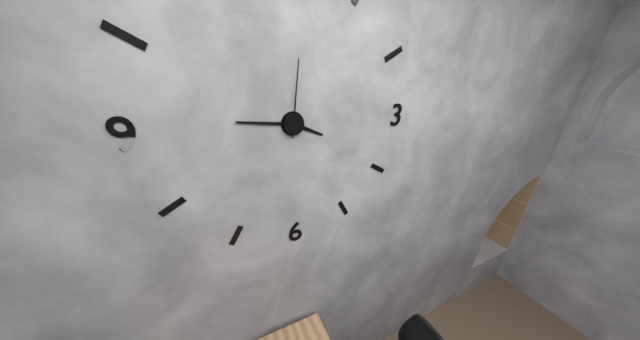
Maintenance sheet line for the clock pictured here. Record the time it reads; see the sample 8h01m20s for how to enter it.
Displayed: 3h46m01s
